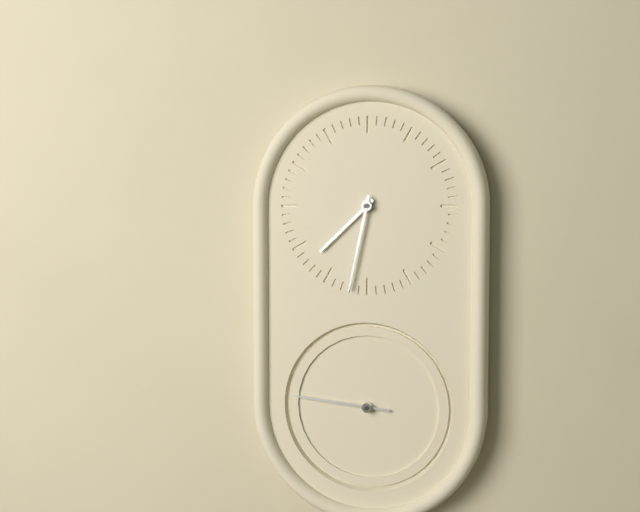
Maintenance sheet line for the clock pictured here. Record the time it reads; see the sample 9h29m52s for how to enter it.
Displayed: 7h32m46s
